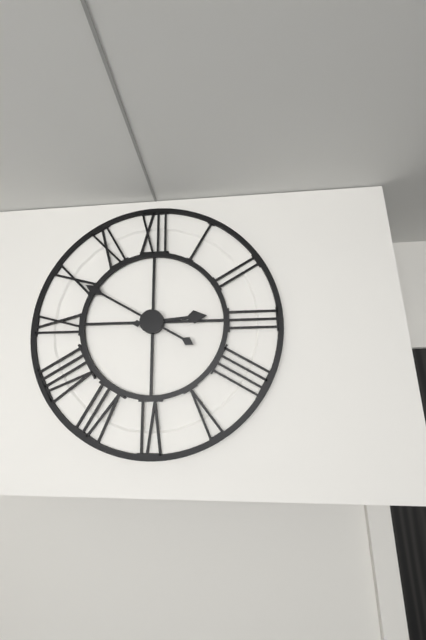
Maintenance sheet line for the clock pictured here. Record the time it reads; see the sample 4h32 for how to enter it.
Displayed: 2h50
